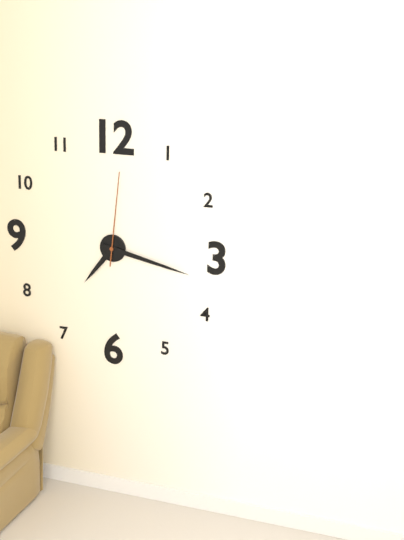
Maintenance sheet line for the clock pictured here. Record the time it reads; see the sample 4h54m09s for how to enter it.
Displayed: 7h17m01s
